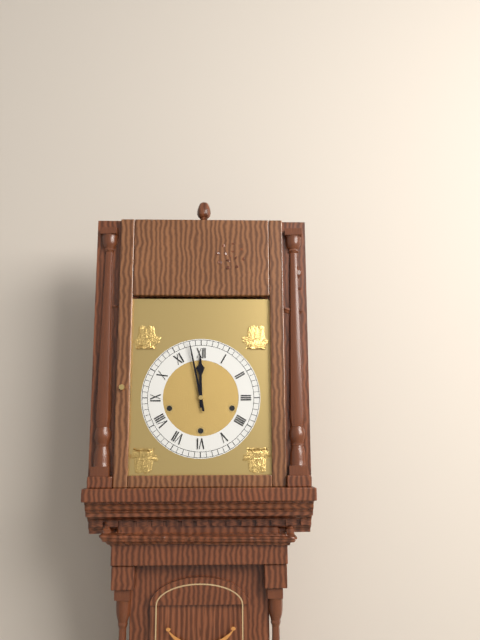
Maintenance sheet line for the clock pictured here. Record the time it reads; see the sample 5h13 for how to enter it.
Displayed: 11h58
